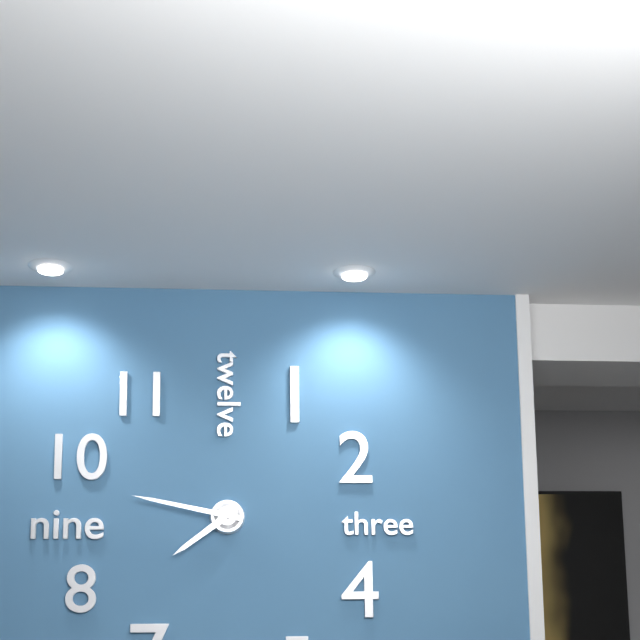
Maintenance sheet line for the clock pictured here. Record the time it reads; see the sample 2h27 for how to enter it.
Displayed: 7h47
